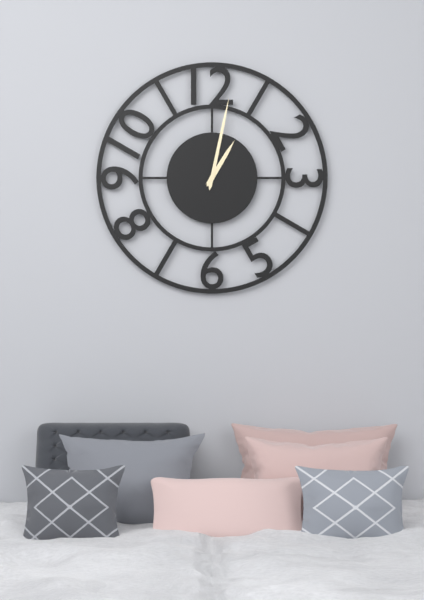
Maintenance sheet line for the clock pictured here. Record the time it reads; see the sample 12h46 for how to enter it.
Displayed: 1h02
